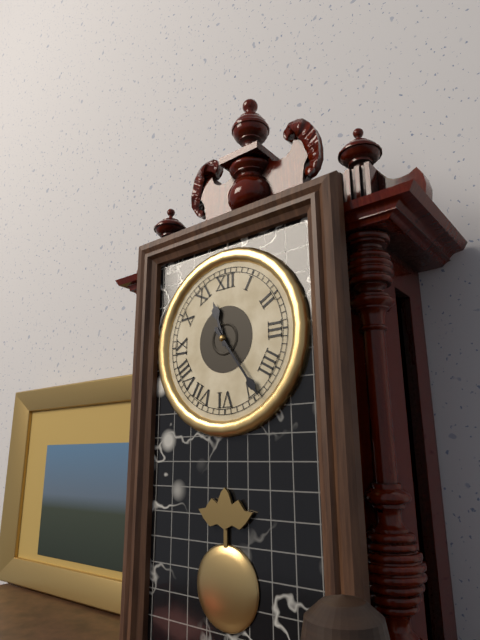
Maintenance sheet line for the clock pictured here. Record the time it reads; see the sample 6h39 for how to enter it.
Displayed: 11h24
